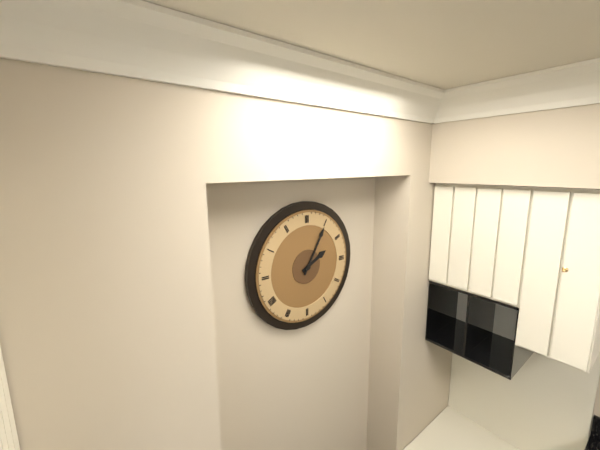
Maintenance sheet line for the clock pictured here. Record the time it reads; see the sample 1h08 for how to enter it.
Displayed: 2h05
